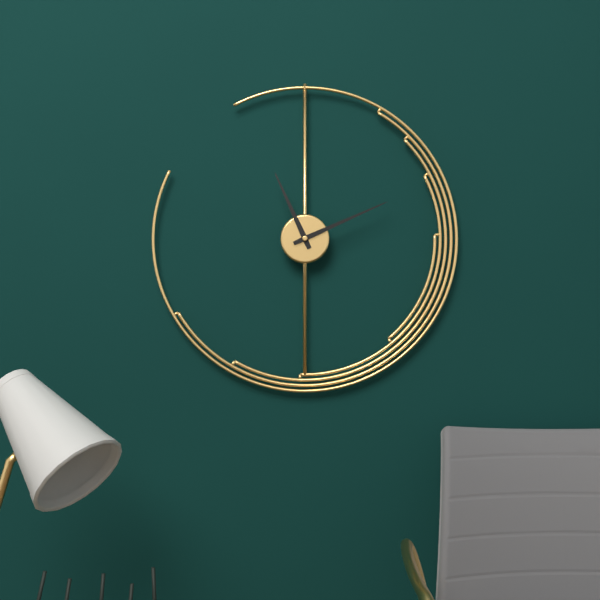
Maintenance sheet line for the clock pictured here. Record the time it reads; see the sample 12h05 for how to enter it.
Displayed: 11h11
